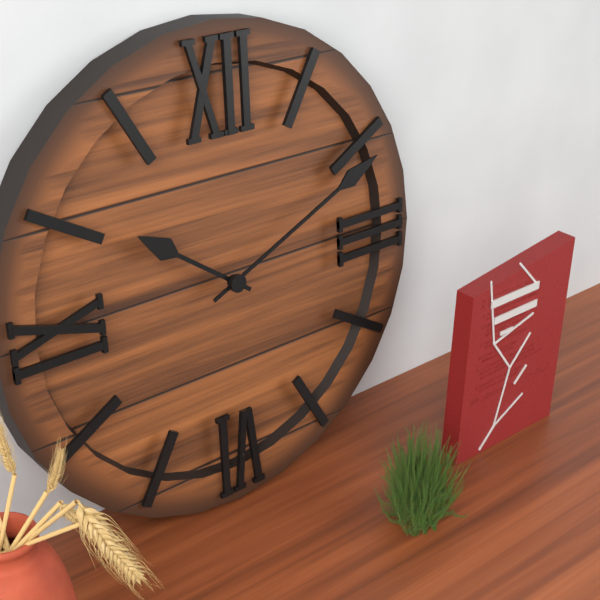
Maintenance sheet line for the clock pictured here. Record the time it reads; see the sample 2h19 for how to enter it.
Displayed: 10h11
